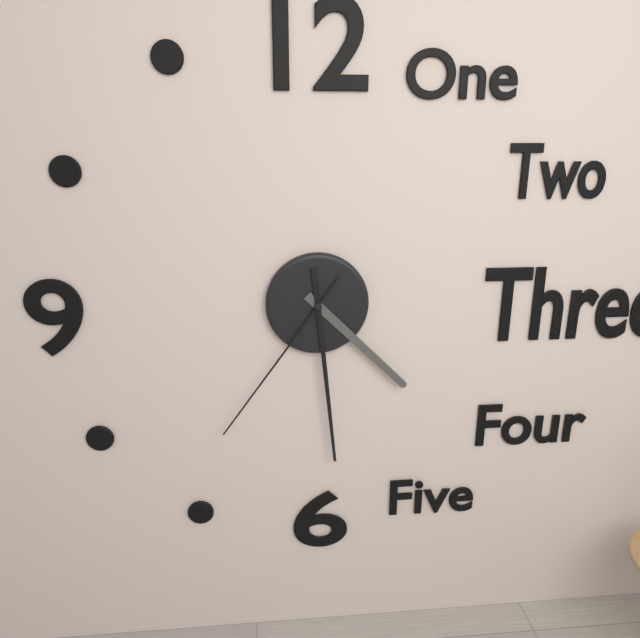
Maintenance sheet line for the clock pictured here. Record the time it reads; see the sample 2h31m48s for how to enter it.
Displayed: 4h29m36s
